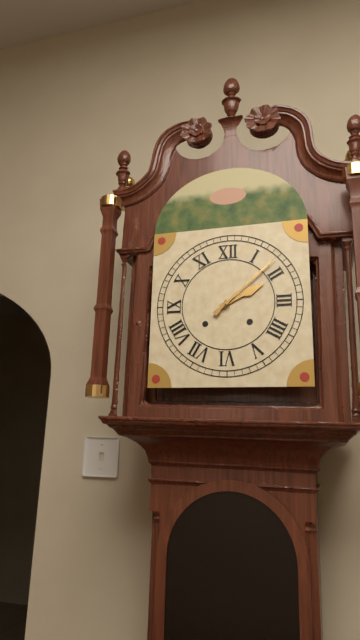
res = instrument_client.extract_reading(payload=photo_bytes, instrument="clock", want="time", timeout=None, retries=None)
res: 2:08
